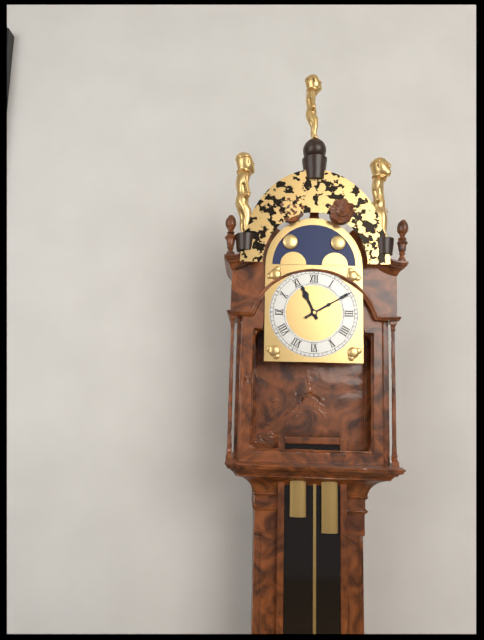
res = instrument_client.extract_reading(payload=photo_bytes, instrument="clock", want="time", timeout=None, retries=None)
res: 11:10
